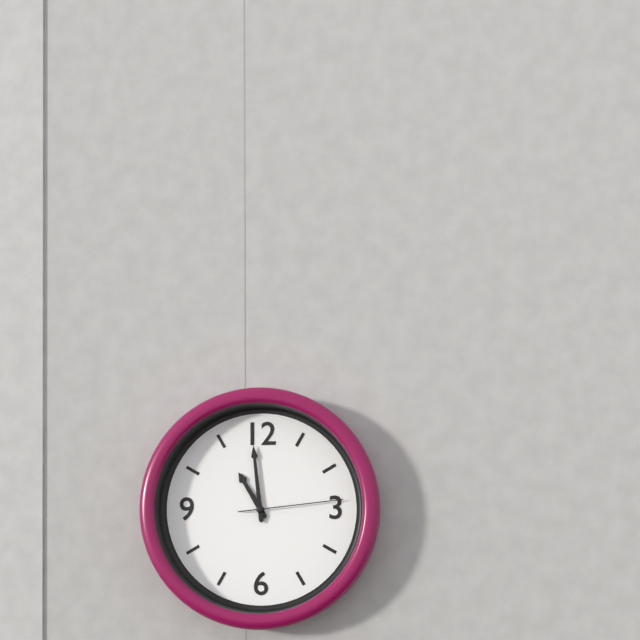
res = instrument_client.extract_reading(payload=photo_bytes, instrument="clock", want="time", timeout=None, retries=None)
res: 10:59:14
